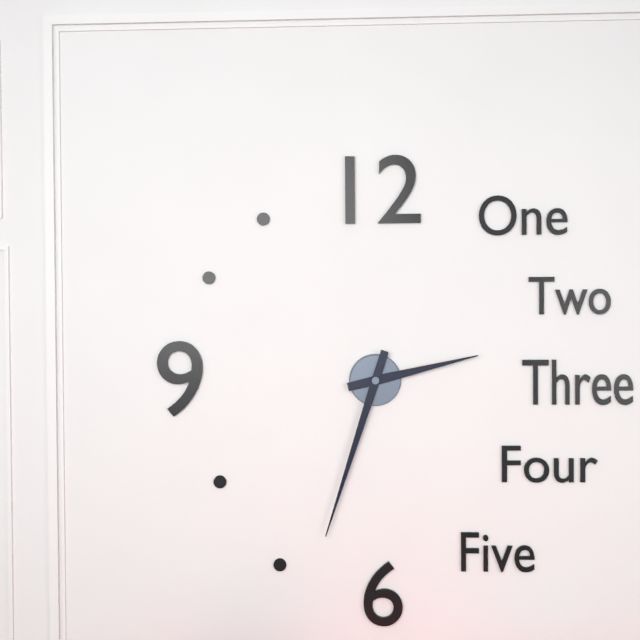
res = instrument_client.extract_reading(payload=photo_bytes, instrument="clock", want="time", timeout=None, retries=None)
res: 2:33
